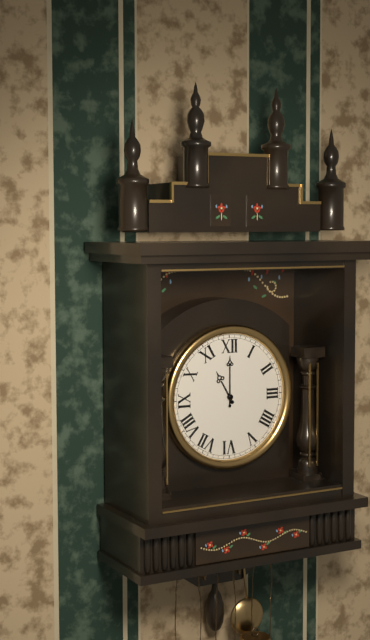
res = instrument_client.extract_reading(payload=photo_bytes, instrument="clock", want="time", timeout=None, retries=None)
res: 11:00
